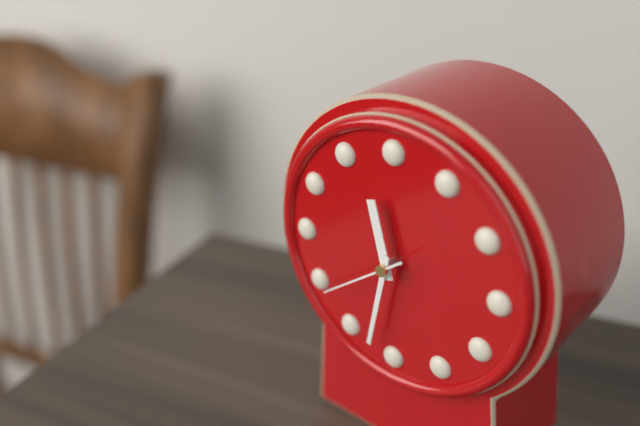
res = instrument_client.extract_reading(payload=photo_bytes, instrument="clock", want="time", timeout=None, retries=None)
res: 11:32:39
